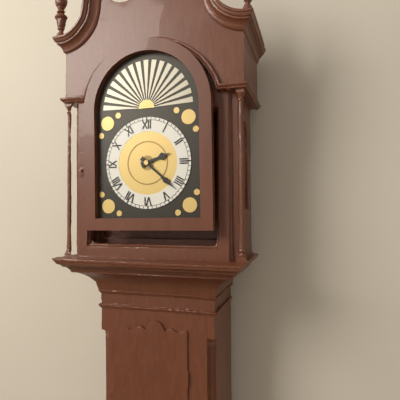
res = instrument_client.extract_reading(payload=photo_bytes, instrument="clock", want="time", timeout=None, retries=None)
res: 2:22
